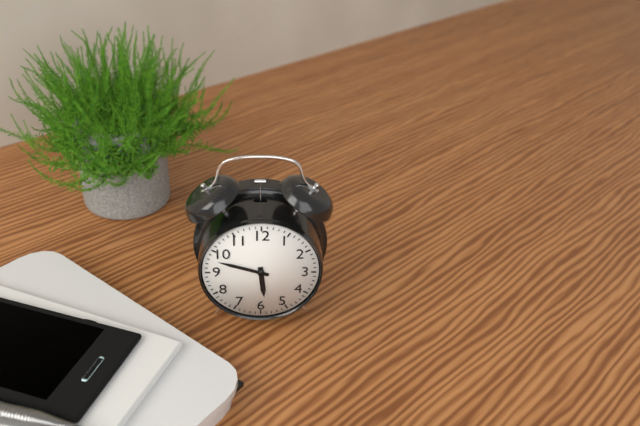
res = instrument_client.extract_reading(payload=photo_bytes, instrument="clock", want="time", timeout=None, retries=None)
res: 5:48
